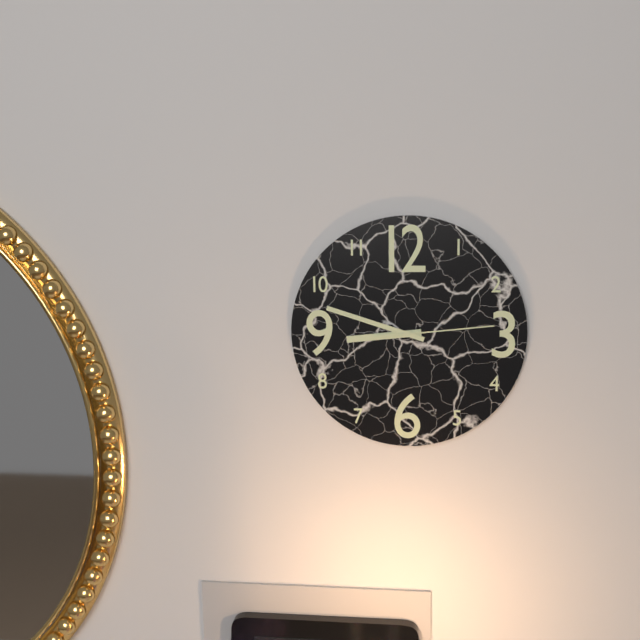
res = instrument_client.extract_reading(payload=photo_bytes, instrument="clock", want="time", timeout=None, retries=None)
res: 8:48:14
